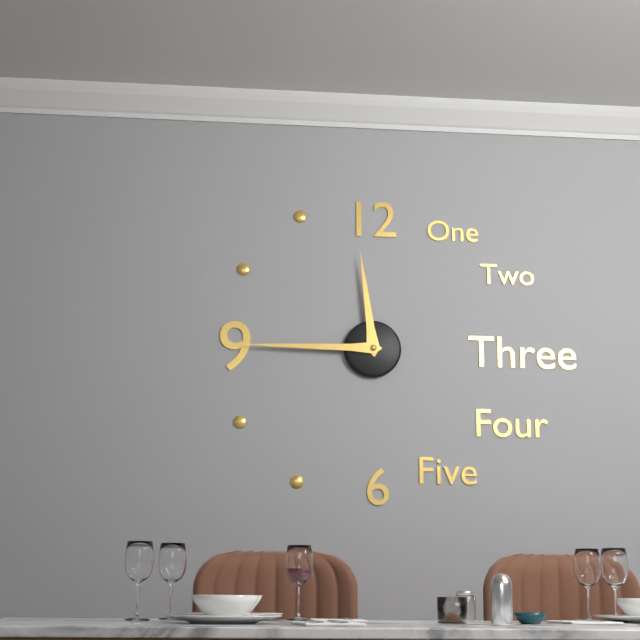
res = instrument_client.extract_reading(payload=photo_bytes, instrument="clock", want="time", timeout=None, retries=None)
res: 11:45
